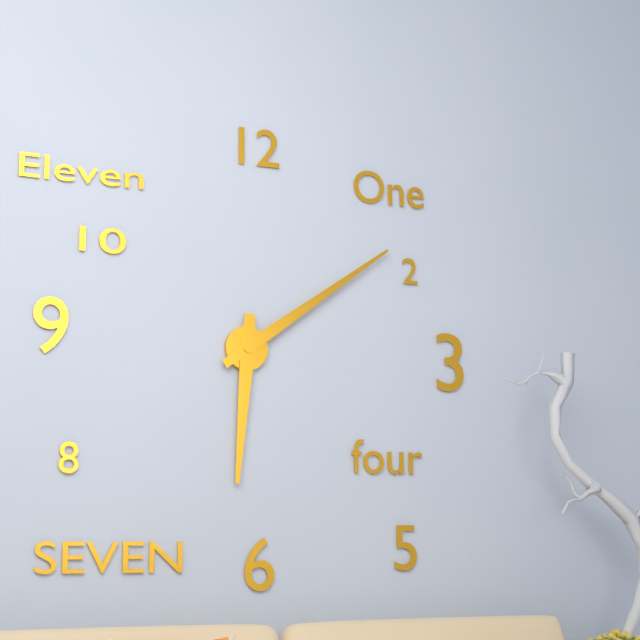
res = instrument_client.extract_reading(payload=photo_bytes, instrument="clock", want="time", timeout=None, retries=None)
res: 6:09
